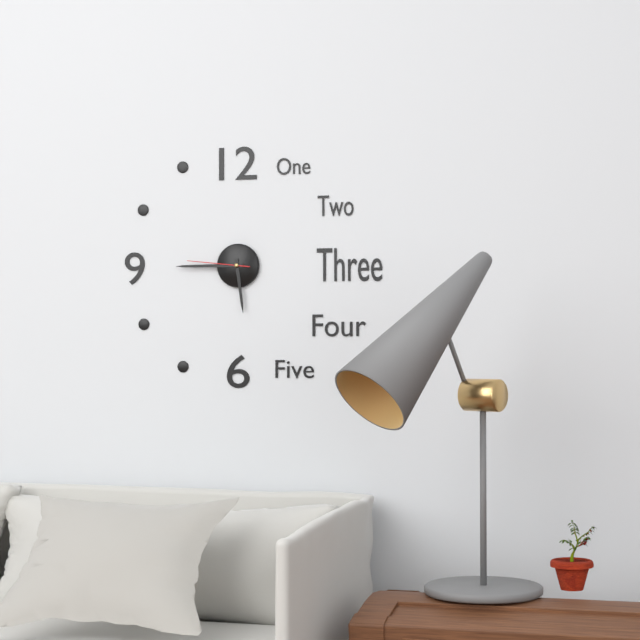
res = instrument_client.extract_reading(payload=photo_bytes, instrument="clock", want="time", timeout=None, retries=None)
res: 5:45:46
